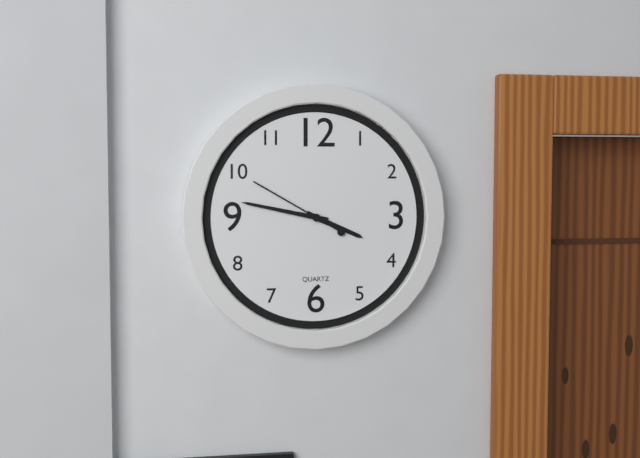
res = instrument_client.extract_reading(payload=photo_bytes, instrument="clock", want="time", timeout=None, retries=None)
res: 3:47:50
